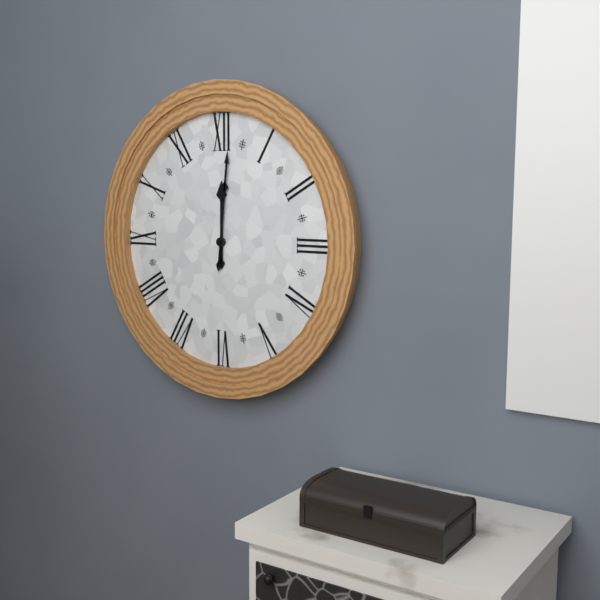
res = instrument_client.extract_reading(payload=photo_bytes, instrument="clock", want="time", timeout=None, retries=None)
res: 12:01
